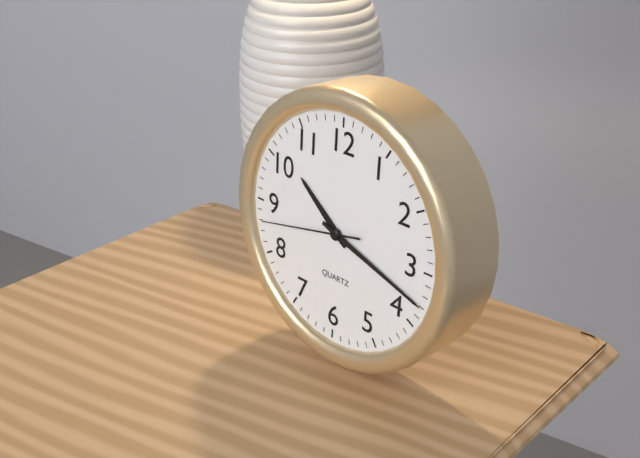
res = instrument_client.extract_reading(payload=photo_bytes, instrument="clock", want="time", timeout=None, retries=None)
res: 10:18:43
